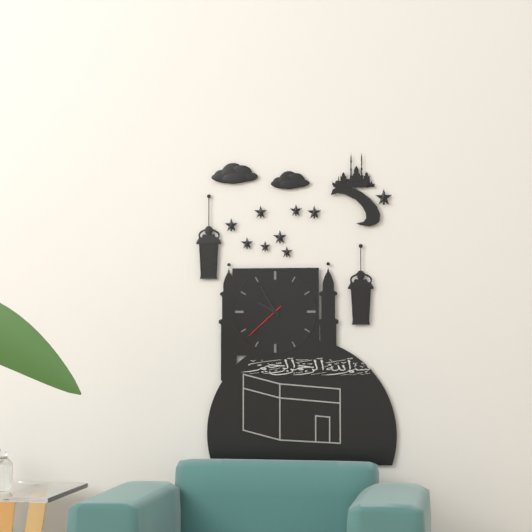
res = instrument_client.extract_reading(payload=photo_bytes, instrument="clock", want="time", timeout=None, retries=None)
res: 9:55
